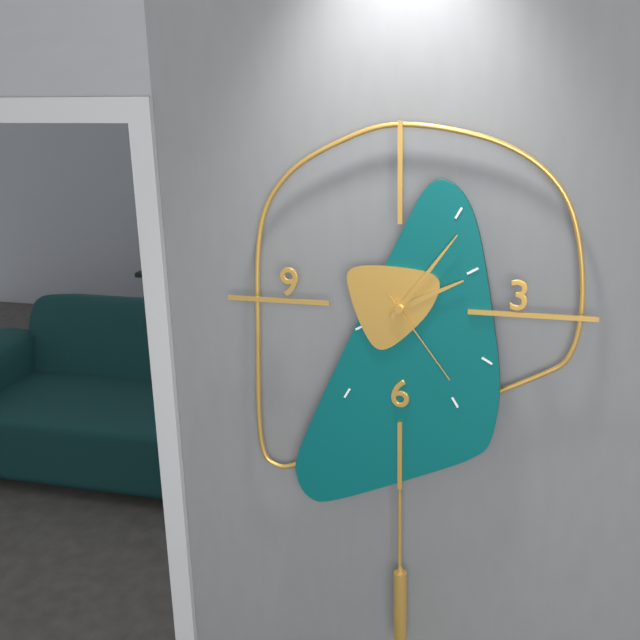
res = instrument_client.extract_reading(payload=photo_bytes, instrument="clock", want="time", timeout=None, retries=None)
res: 2:06:24
